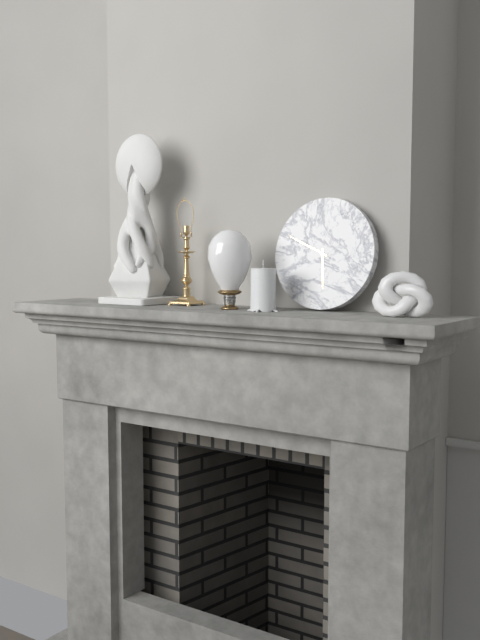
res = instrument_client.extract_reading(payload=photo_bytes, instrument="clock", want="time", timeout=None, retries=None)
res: 5:49
